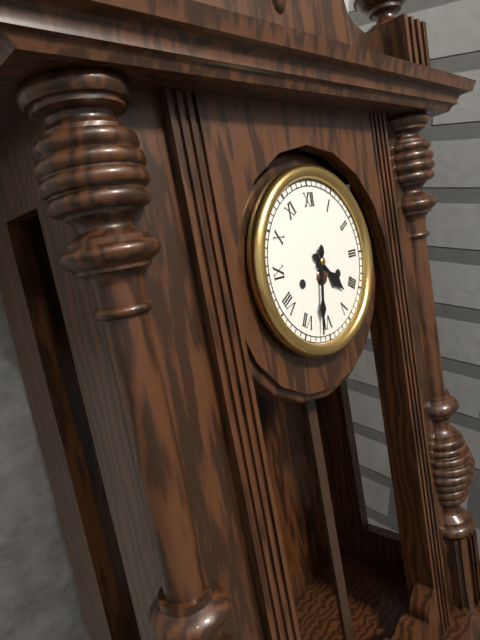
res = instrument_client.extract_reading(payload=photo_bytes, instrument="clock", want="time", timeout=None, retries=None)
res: 4:32
